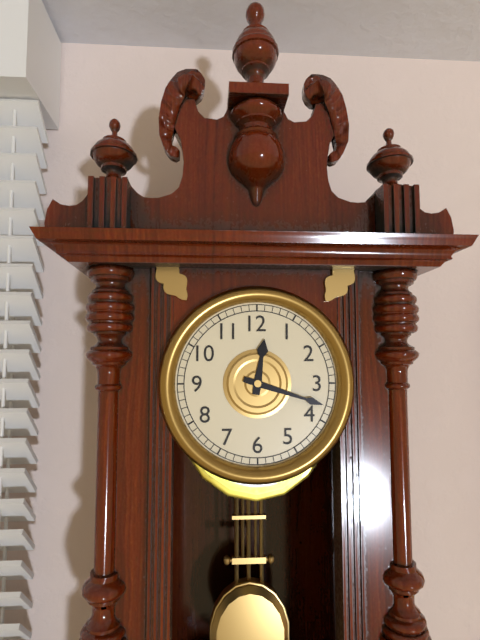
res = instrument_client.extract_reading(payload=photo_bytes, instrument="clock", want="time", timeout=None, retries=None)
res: 12:18
